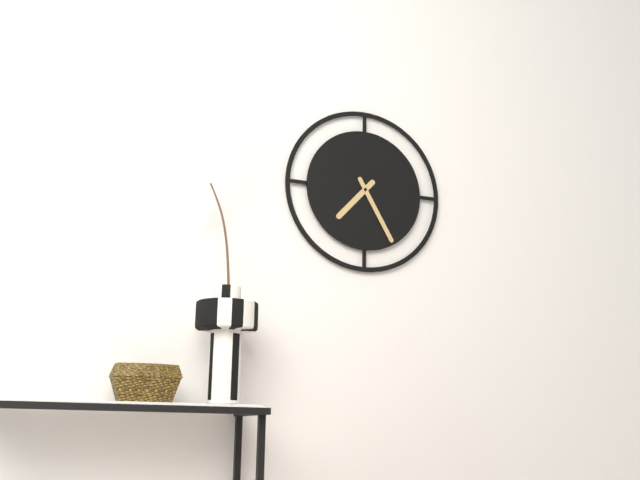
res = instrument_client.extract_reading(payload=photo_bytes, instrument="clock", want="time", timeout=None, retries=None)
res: 7:25
